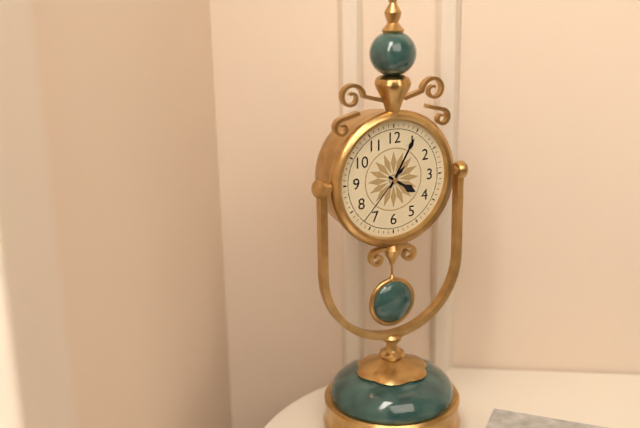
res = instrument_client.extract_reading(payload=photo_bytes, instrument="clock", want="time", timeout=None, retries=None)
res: 4:05:37
